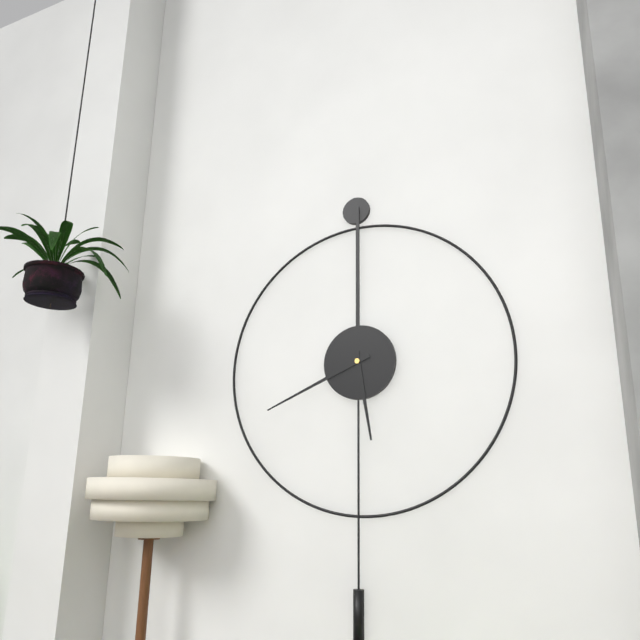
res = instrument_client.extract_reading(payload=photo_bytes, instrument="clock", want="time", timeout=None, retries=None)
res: 5:41
